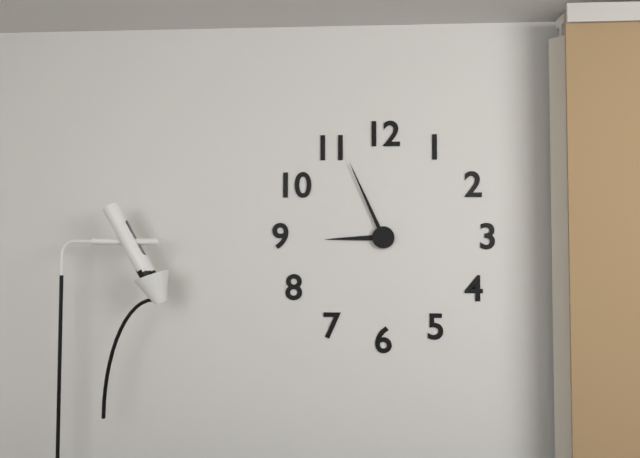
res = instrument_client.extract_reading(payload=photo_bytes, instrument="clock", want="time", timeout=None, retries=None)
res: 8:56
